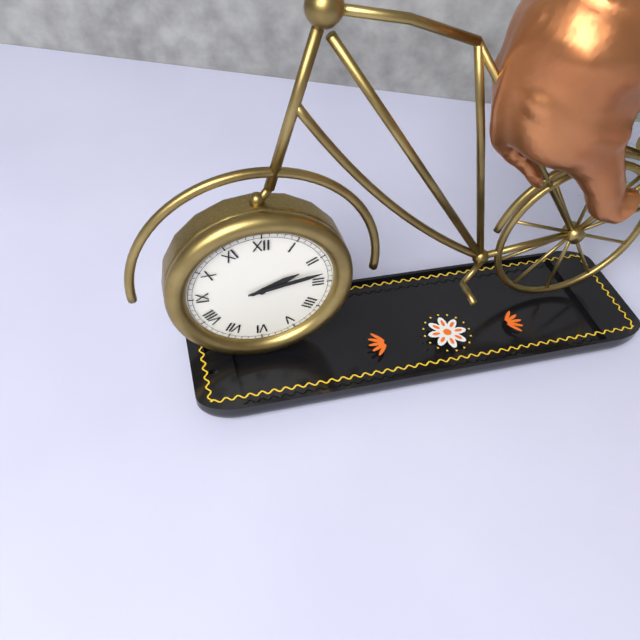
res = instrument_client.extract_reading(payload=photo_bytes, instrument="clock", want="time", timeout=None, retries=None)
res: 2:13
